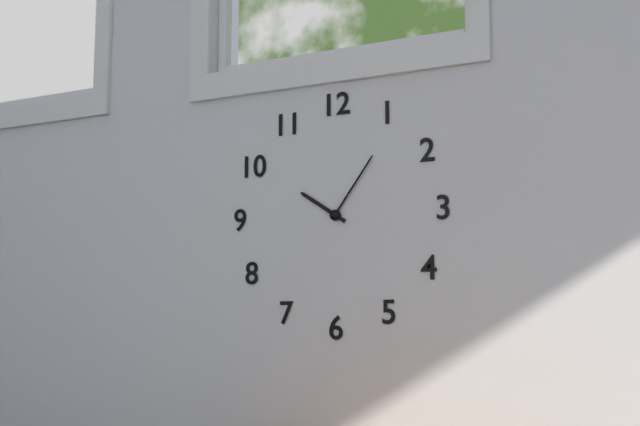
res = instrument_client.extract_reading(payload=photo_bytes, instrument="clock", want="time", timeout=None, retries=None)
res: 10:06
